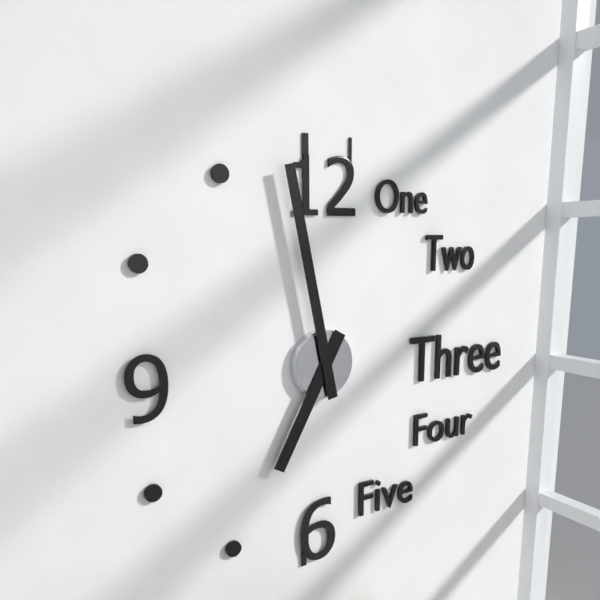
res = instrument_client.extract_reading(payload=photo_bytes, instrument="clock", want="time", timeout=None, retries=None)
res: 6:58
